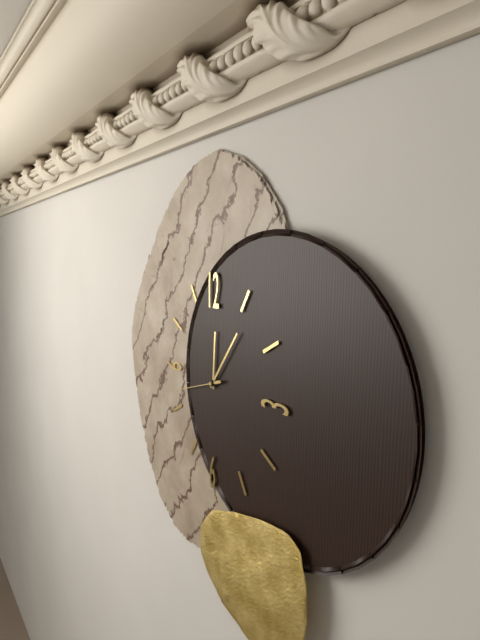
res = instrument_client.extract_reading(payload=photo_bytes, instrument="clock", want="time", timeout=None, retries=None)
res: 12:06
